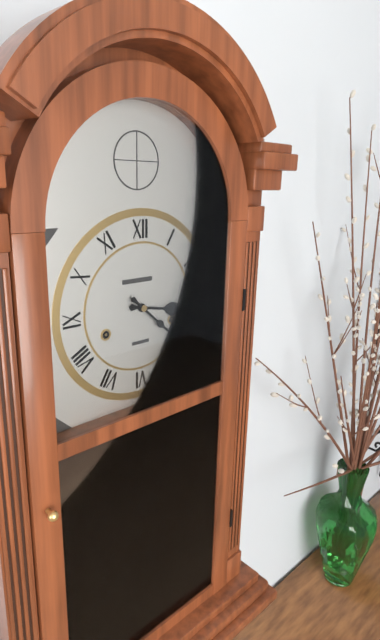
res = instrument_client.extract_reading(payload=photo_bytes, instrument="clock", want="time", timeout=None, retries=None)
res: 3:22
